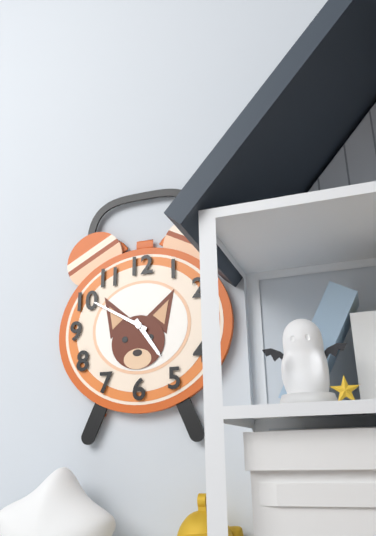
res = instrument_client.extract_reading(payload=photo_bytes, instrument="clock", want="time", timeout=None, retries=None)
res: 4:50
